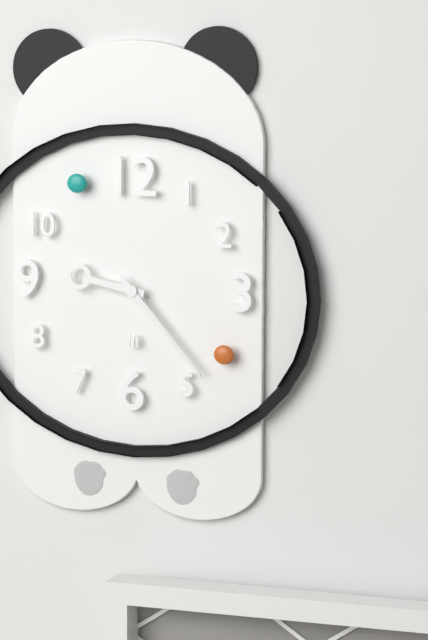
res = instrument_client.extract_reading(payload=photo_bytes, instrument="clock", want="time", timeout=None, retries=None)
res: 9:23
